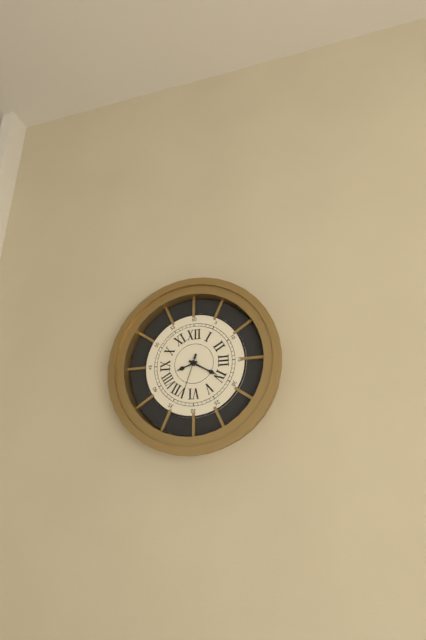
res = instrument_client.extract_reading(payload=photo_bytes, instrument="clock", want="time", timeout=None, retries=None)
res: 8:20
